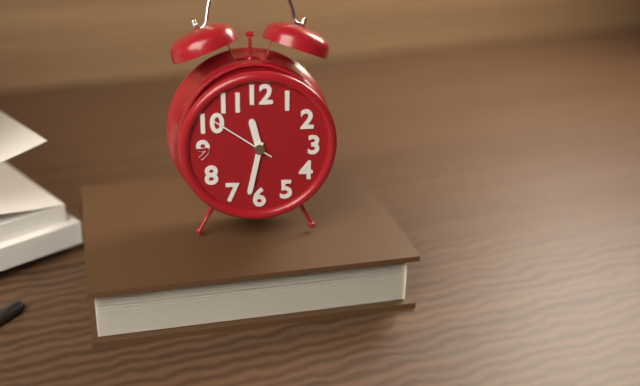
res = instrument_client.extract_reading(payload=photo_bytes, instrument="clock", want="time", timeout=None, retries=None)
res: 11:32:51
